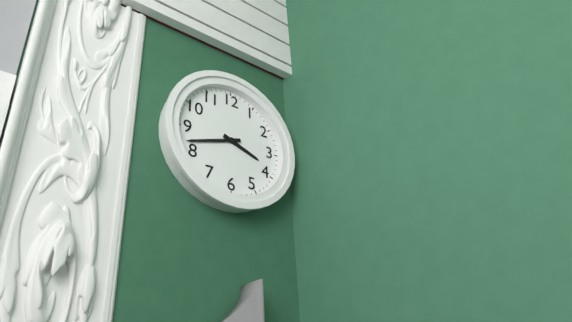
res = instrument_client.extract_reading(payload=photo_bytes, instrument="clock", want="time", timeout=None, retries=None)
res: 3:42
